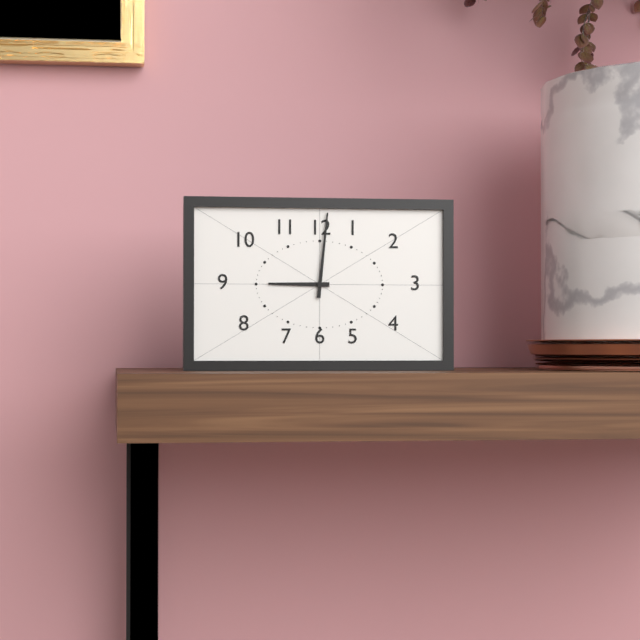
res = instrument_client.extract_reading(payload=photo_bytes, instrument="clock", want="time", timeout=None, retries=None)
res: 9:01
